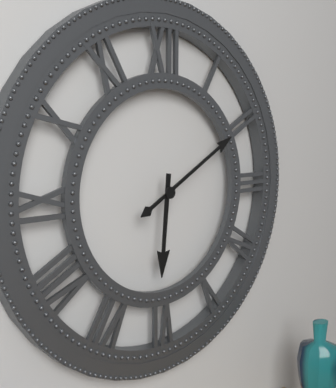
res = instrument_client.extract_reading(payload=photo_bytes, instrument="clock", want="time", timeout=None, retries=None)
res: 6:10
